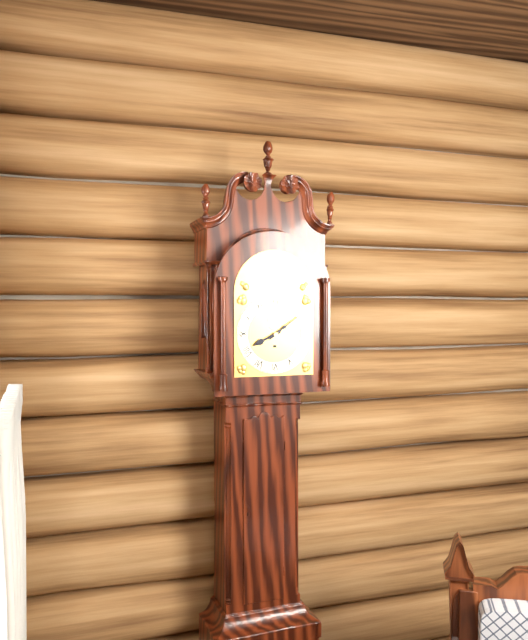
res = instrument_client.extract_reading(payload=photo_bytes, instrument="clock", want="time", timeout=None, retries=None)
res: 8:09
